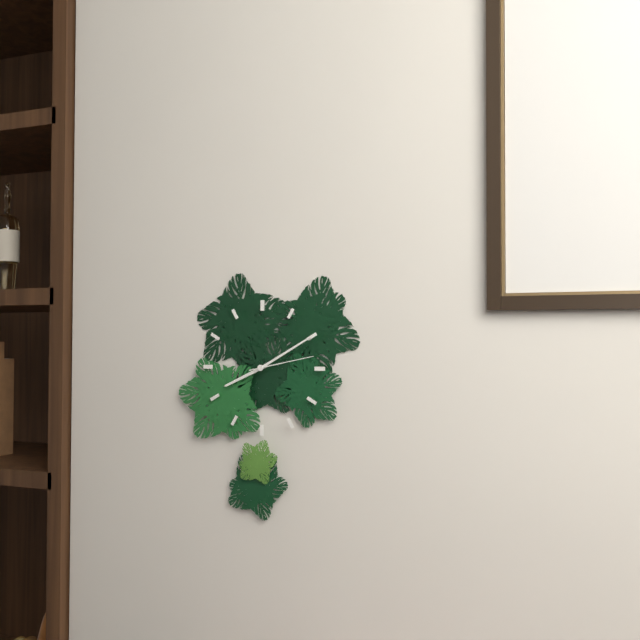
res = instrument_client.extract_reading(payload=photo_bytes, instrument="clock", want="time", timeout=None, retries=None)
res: 8:10:13
